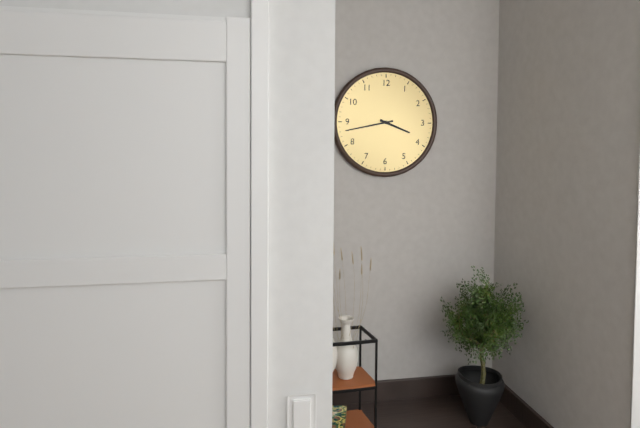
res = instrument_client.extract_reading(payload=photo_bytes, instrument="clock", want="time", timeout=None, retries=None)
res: 3:43
